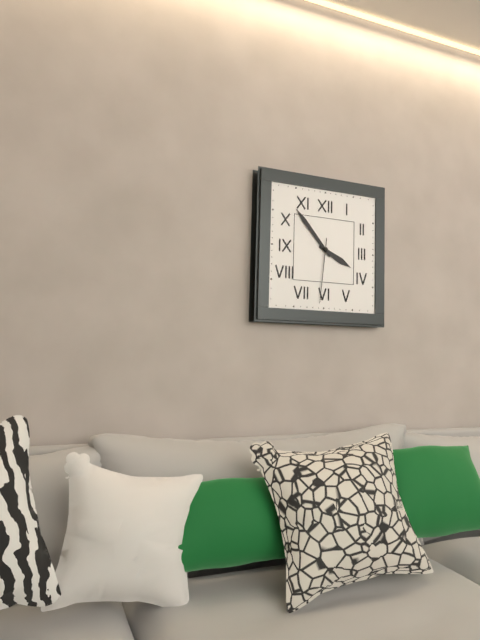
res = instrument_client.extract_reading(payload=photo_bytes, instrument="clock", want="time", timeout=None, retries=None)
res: 3:53:31
